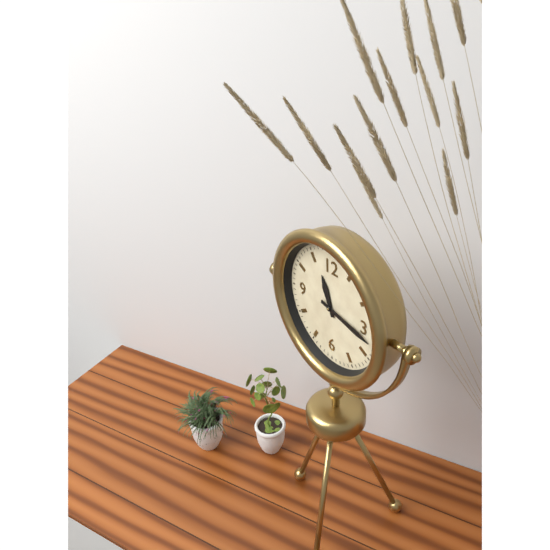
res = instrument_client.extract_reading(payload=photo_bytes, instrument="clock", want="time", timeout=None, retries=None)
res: 11:17
